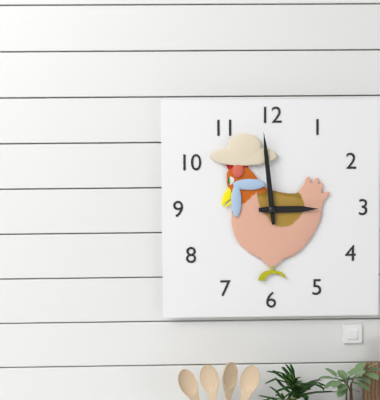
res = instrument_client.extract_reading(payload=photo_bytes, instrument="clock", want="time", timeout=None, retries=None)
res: 2:59
